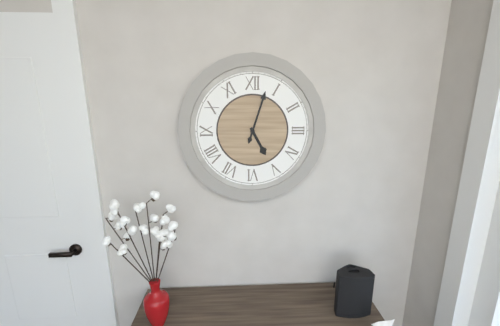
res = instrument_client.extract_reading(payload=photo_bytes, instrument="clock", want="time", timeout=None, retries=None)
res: 5:03
